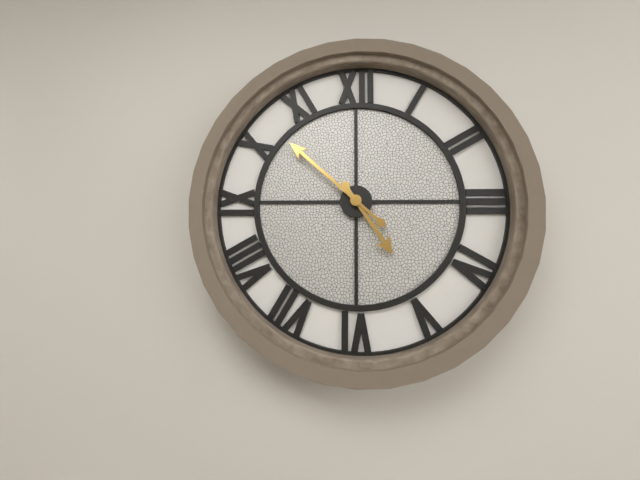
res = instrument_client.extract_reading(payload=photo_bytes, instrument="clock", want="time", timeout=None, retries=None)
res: 4:52
